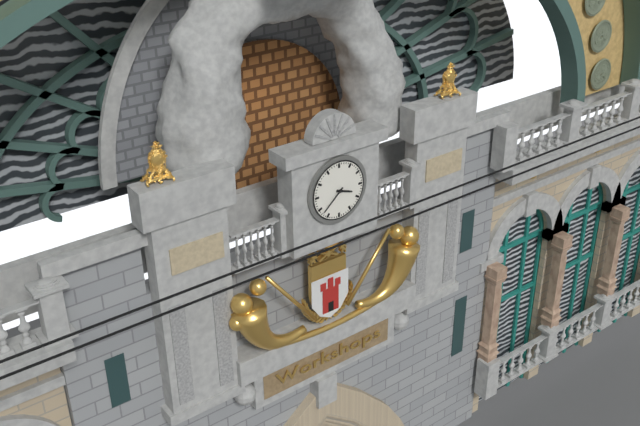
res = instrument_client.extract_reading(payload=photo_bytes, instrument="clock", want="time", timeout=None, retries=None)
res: 3:38
